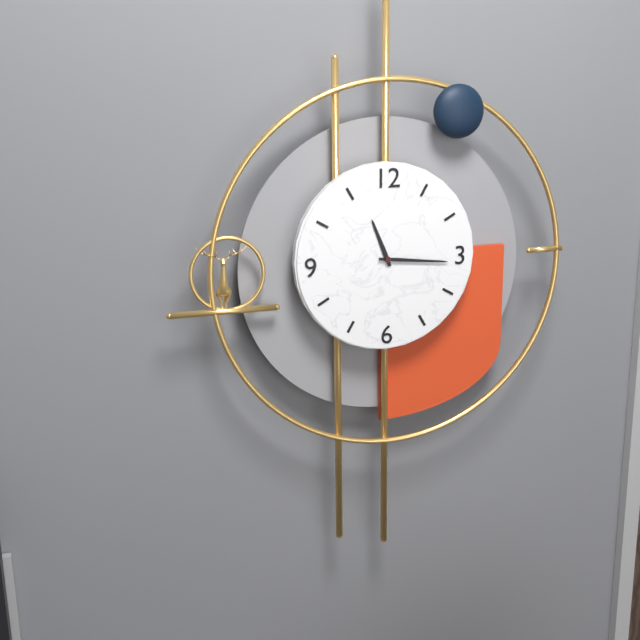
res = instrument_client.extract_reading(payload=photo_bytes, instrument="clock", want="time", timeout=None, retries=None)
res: 11:16
